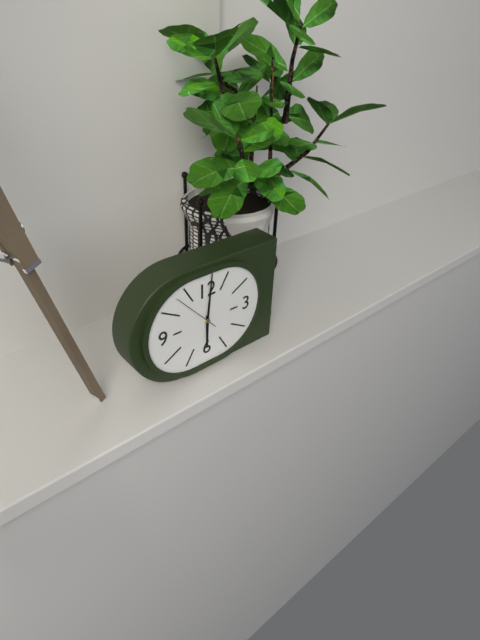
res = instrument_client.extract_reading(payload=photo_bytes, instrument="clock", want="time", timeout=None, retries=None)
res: 6:01
